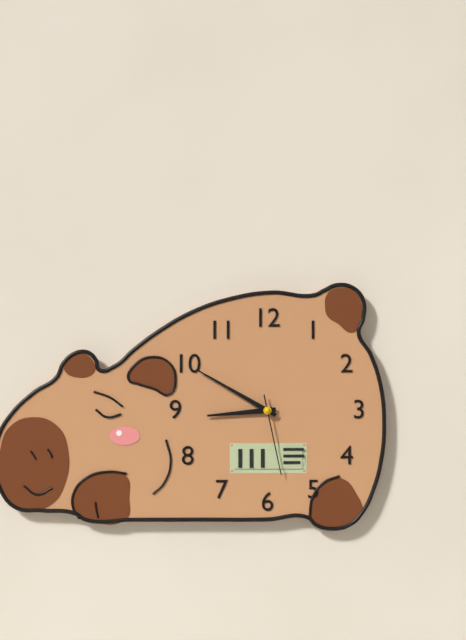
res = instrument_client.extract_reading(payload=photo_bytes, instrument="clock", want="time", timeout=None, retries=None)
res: 8:50:28
